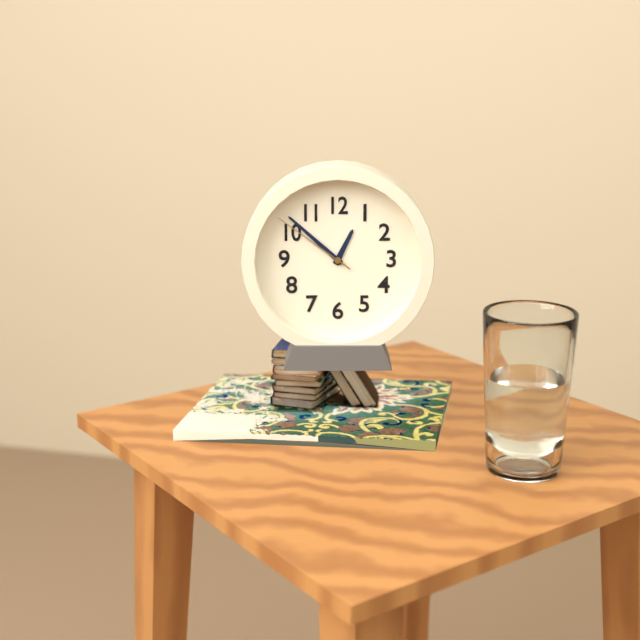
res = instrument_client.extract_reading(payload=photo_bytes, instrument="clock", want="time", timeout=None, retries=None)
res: 12:52:51
